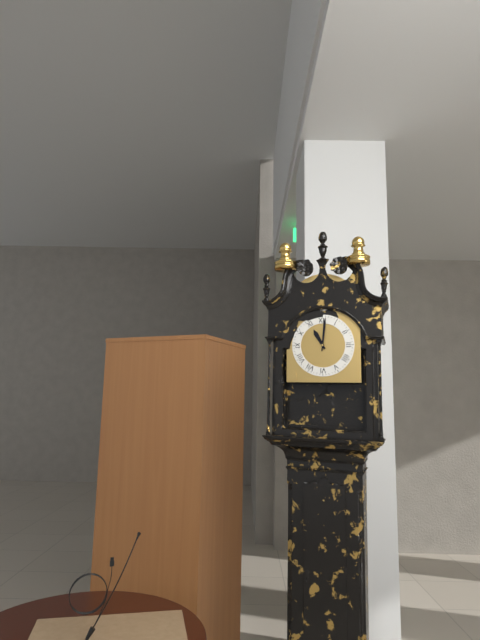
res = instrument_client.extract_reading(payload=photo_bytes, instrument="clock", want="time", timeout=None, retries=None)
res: 11:01
